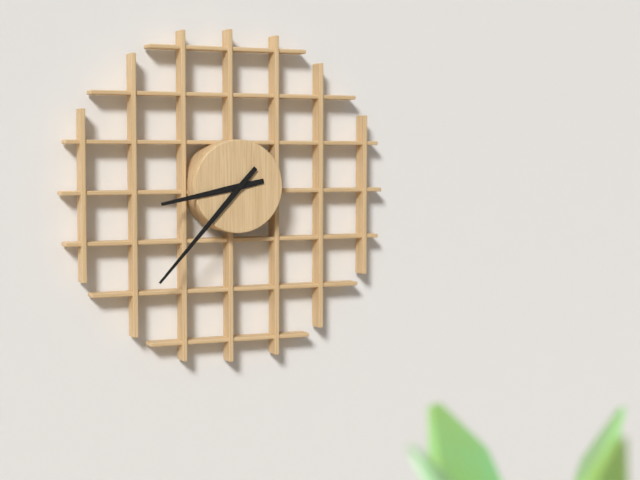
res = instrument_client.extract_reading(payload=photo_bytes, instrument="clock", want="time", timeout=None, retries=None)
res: 8:37
